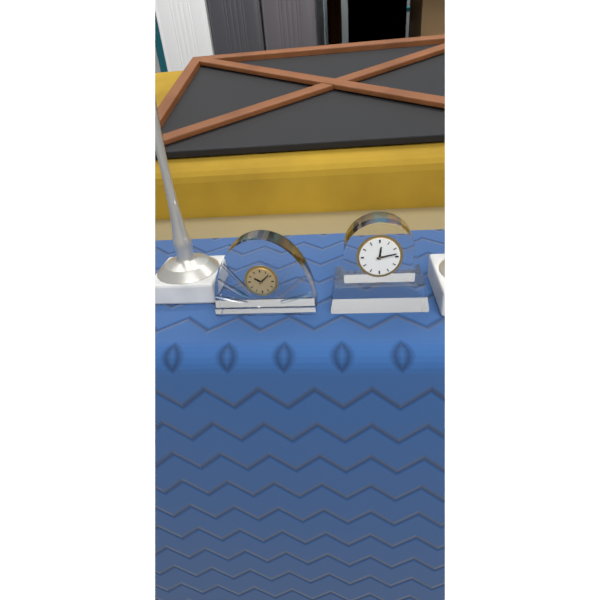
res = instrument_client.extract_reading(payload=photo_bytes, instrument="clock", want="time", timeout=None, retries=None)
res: 12:13
